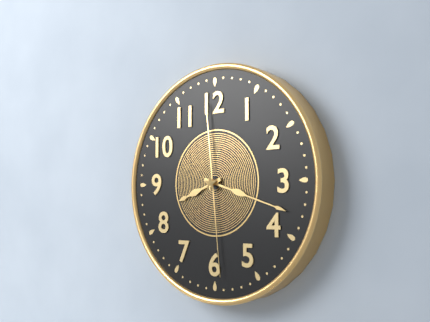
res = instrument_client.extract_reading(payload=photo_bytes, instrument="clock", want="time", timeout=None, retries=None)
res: 8:18:29
